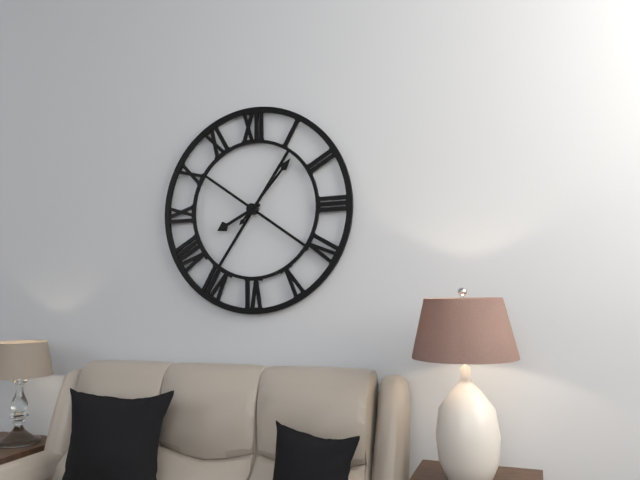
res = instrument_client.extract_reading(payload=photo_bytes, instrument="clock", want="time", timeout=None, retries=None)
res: 8:07
